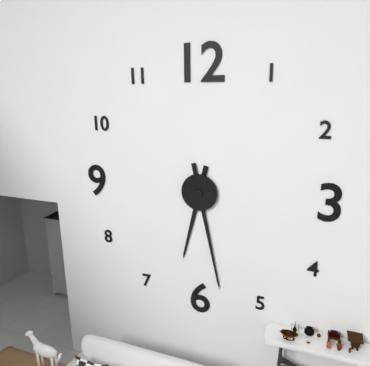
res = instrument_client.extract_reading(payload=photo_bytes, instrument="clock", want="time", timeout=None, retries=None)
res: 6:28
